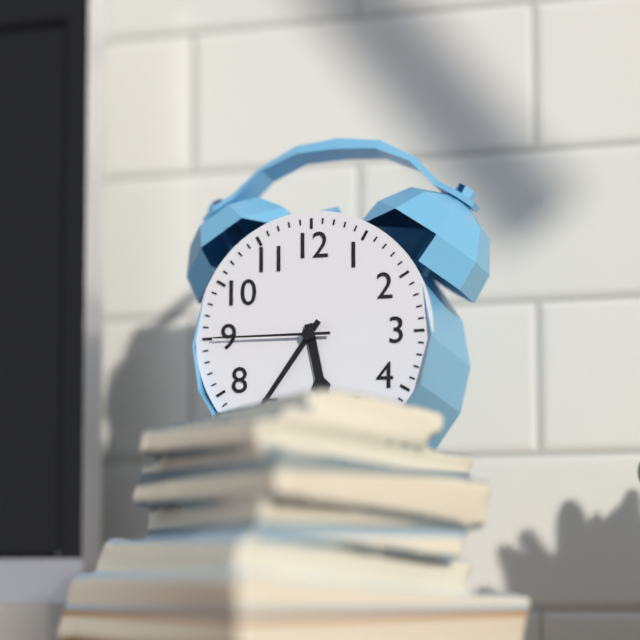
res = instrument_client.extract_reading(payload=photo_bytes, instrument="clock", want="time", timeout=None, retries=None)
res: 5:36:45
